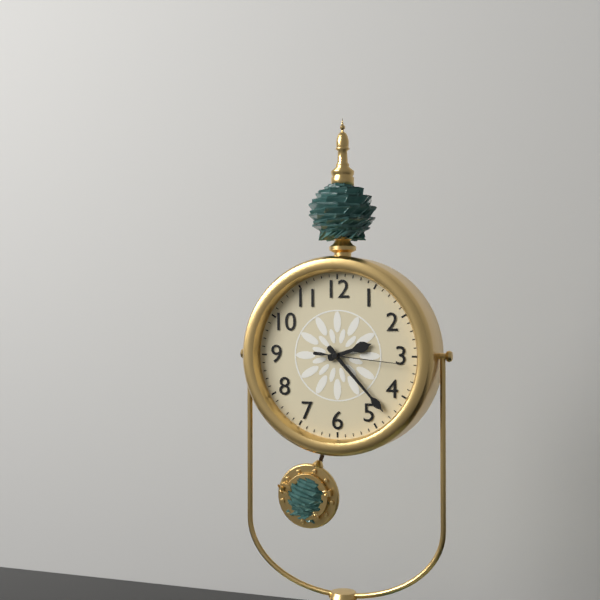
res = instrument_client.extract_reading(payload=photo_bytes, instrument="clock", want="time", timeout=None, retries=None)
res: 2:23:16
